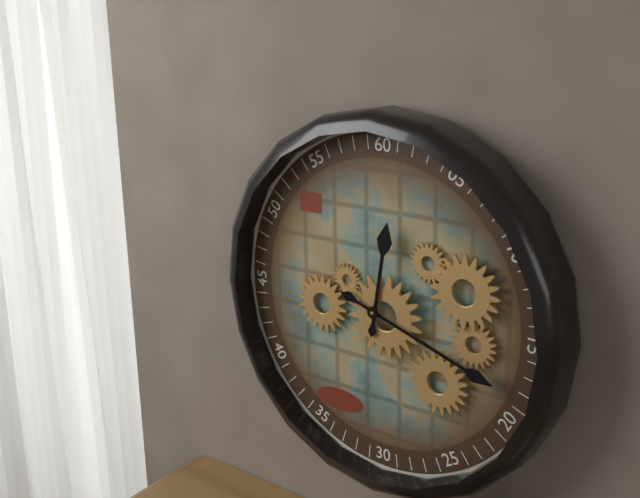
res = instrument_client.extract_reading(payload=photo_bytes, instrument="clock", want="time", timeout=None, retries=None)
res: 12:18
